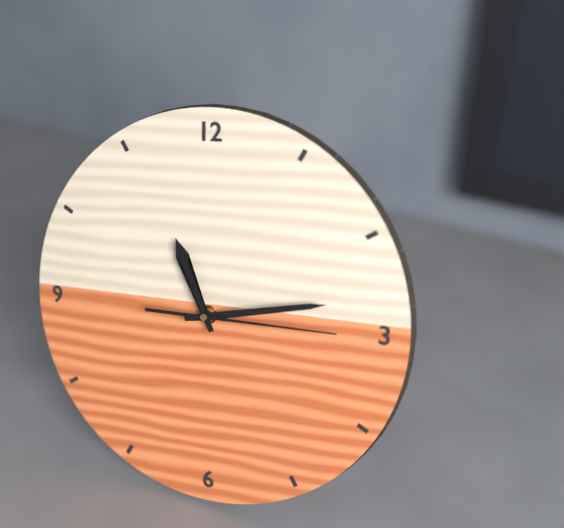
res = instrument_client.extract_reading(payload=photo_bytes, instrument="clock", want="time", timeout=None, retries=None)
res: 11:13:15
